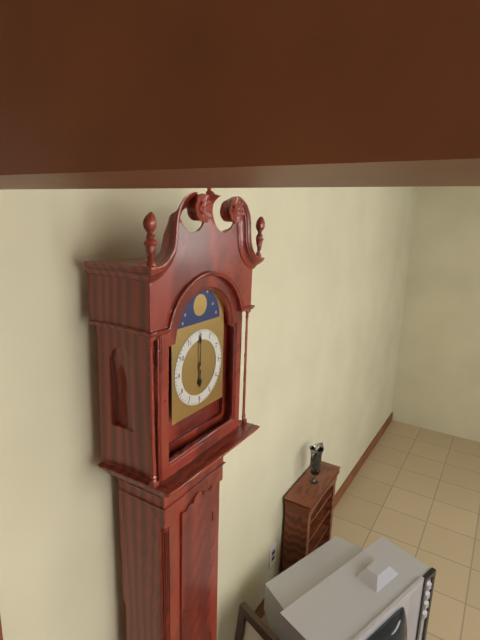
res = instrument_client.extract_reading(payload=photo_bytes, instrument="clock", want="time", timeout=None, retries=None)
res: 6:00
